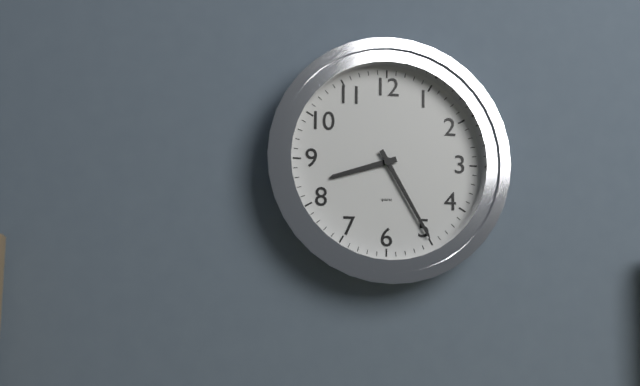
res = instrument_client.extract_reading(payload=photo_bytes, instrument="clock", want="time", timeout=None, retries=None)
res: 8:25
